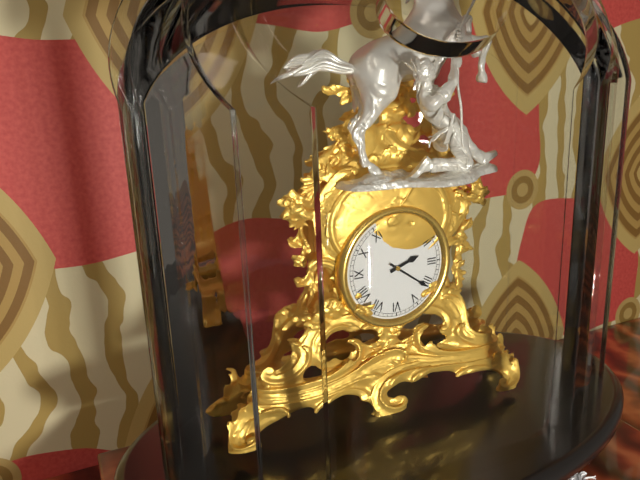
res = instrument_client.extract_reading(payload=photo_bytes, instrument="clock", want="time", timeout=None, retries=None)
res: 2:21
